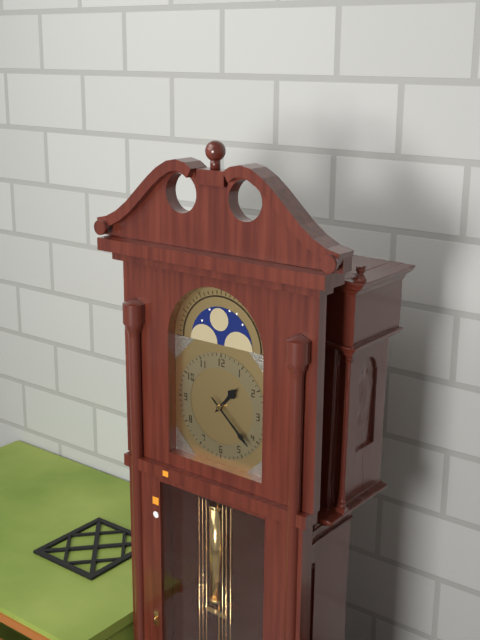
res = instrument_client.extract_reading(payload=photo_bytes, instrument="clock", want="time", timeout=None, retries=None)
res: 1:22
